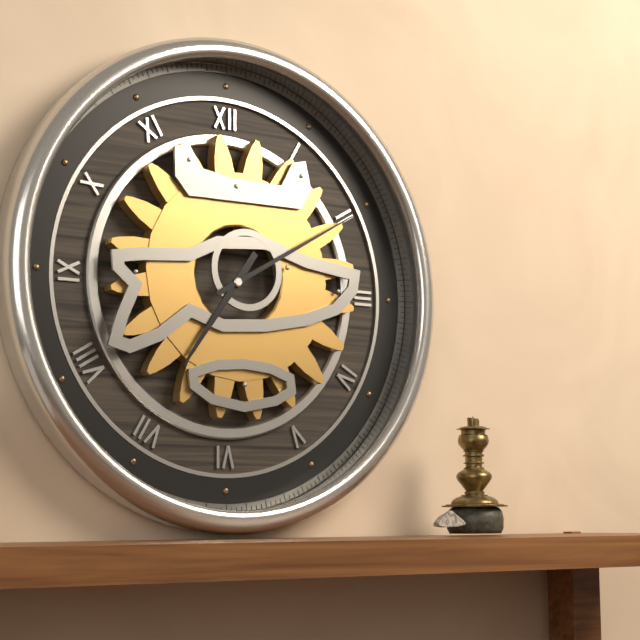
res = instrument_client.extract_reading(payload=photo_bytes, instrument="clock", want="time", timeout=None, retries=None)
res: 7:10
